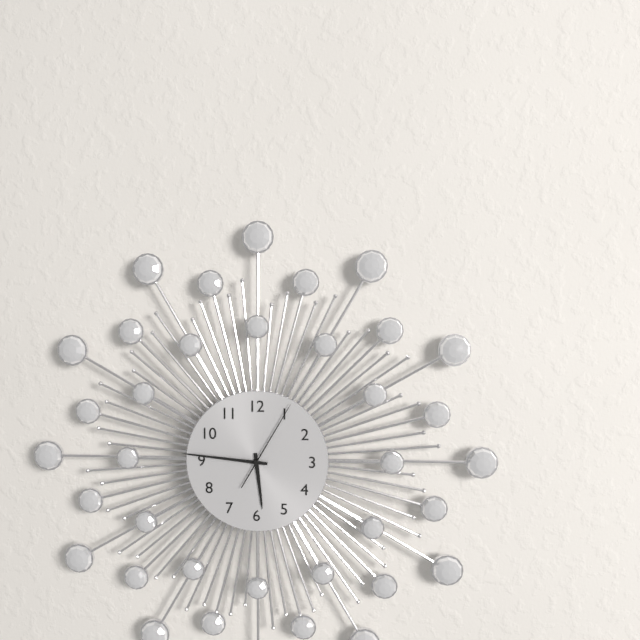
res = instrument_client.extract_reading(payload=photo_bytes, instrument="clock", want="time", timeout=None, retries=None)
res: 5:46:05
